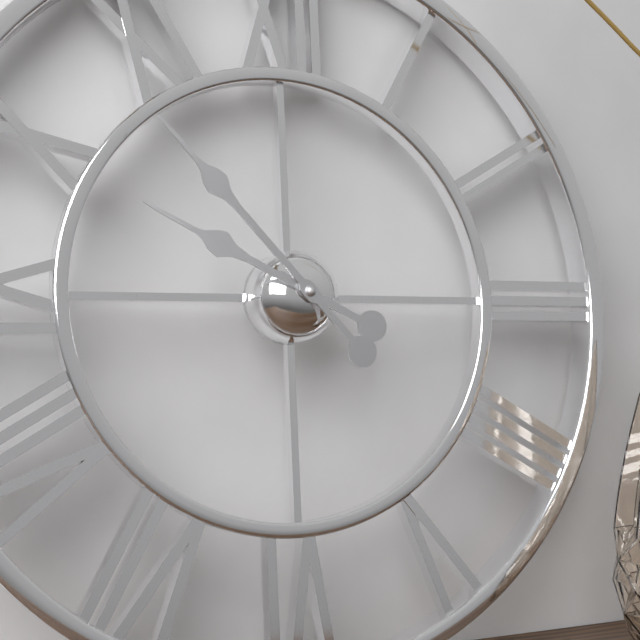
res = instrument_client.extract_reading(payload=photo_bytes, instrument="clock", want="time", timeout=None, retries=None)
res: 9:53
